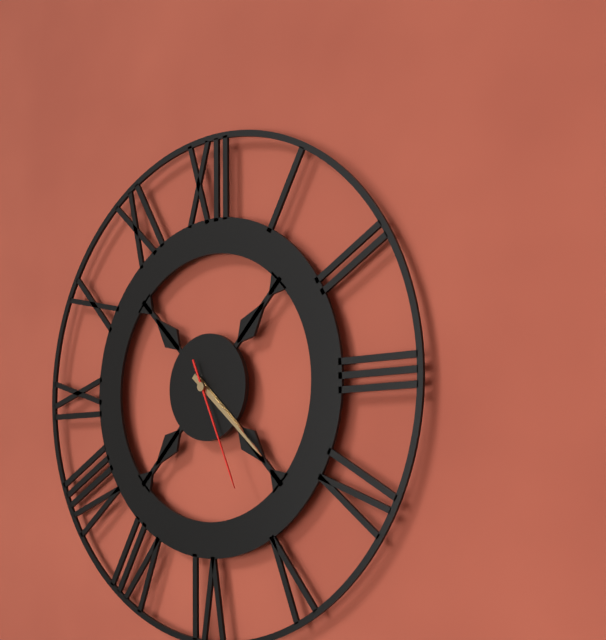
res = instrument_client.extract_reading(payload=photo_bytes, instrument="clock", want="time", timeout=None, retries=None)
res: 4:22:26
